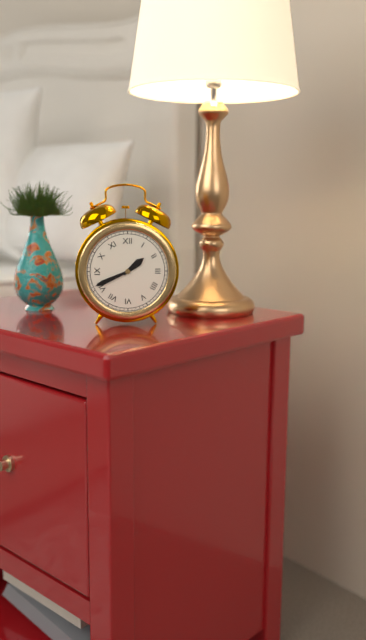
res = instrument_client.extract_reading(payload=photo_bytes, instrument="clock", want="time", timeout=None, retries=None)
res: 1:41
